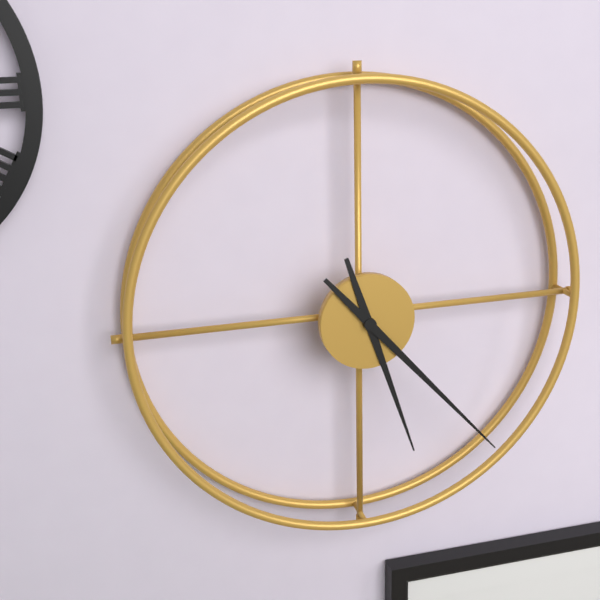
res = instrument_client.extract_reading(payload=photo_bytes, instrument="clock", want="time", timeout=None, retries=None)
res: 5:23
